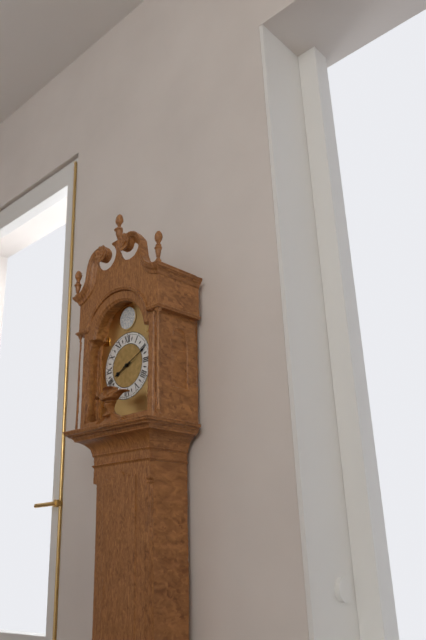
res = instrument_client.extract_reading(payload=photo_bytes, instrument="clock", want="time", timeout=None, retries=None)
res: 8:11
